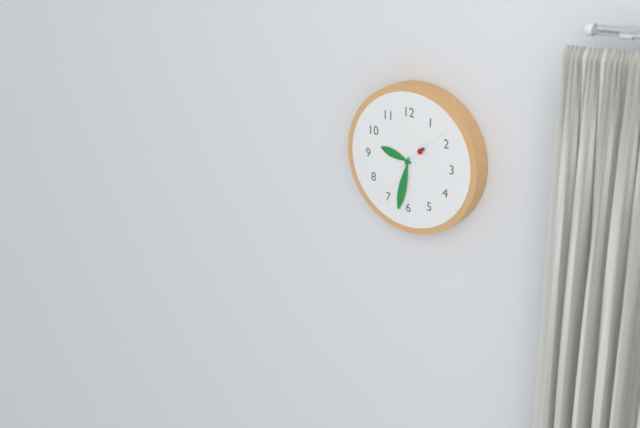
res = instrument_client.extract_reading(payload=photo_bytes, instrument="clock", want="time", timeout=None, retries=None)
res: 9:32:08
